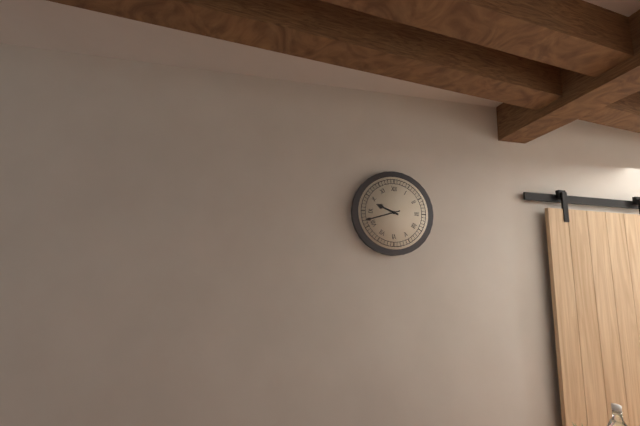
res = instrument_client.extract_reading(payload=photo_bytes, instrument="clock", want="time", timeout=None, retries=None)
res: 9:42
